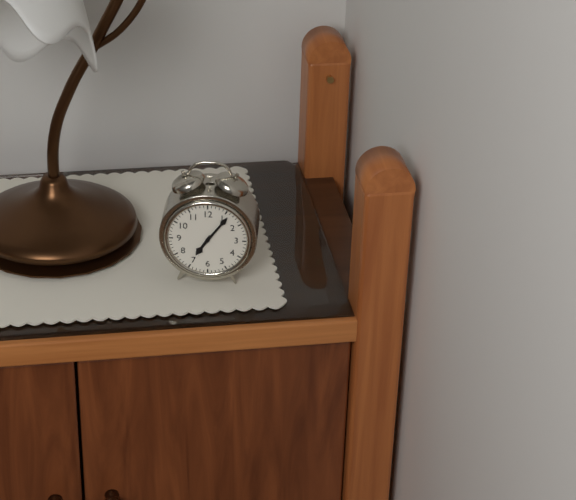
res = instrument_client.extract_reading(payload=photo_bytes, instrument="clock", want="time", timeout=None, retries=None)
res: 7:06
